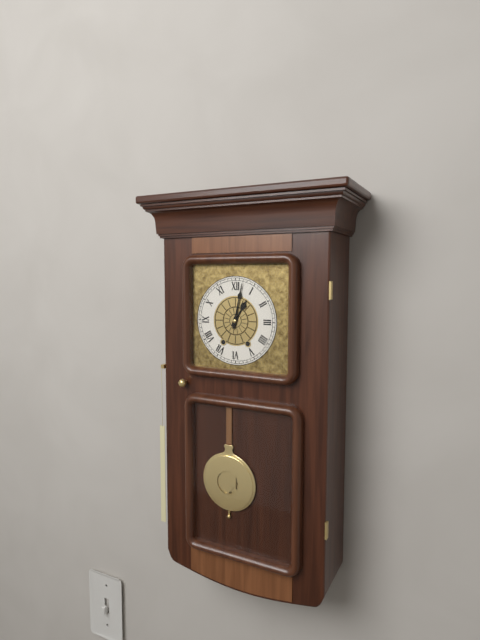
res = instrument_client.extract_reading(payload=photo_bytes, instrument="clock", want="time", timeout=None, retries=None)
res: 1:02
